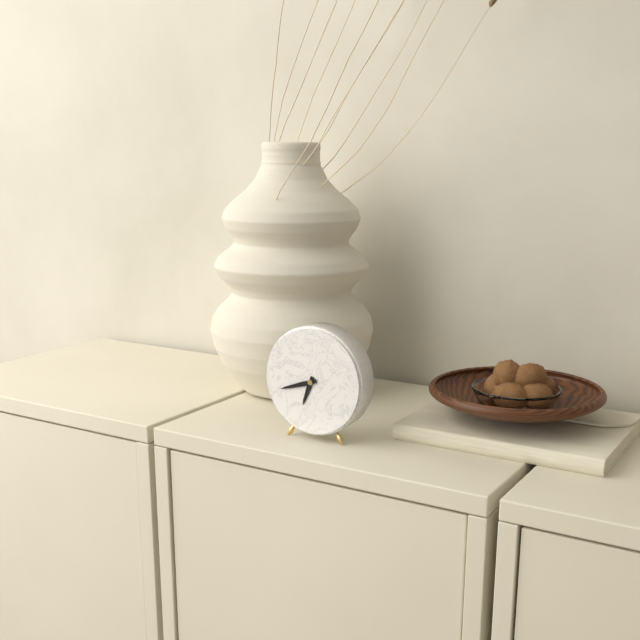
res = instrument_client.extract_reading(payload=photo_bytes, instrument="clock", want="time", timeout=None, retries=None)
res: 6:42
